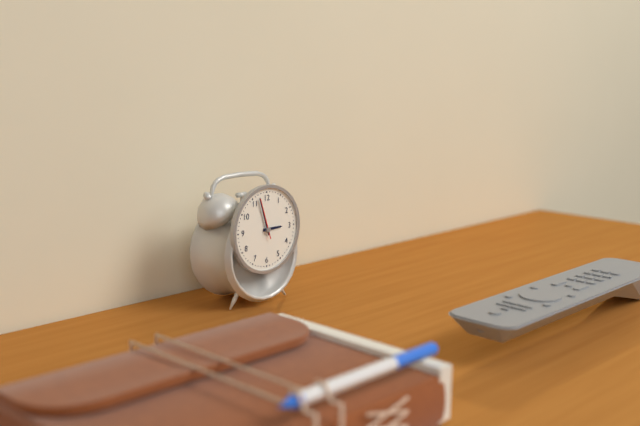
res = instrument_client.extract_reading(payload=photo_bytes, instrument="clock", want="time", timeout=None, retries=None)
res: 2:57
